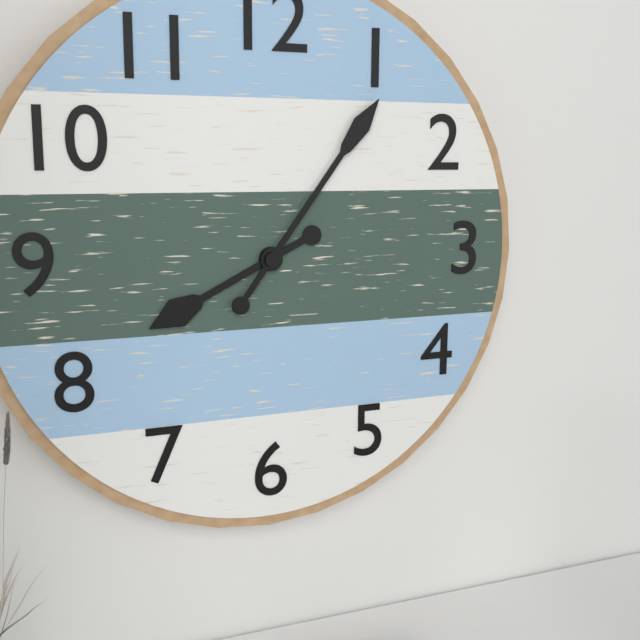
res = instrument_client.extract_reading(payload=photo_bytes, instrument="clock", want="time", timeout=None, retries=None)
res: 8:06
